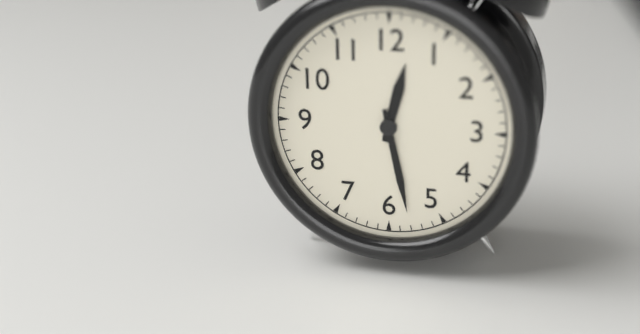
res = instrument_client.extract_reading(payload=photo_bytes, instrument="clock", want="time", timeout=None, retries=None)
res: 12:28
